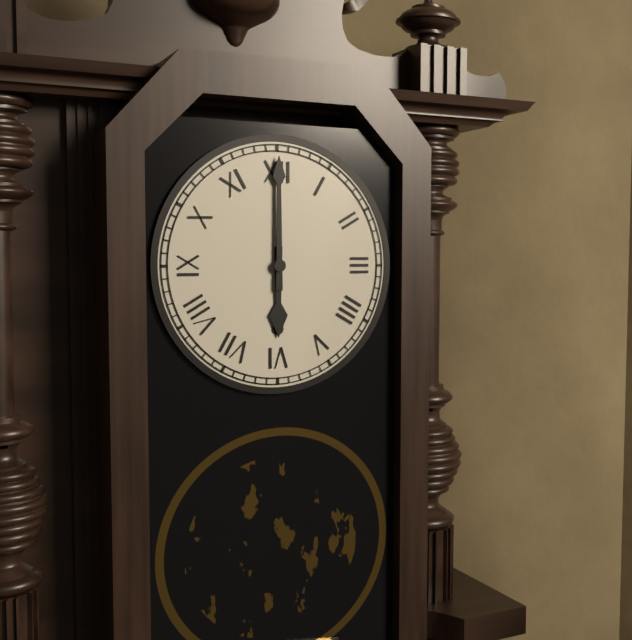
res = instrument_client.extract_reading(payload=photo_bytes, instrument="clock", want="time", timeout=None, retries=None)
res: 6:00
